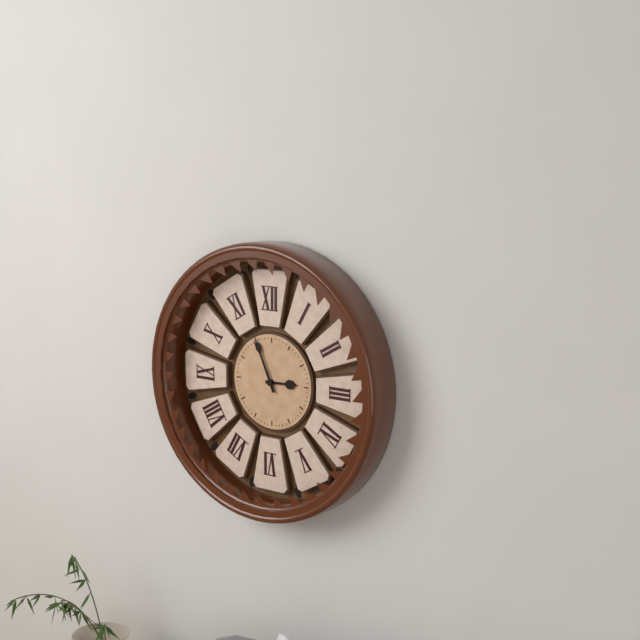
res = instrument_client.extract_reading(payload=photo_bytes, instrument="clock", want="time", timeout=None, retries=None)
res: 2:56
